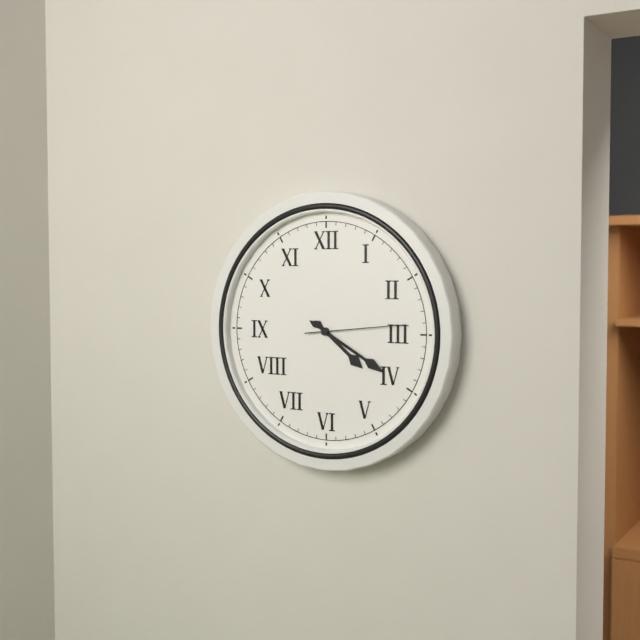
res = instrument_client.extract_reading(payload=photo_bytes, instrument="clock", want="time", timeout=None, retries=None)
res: 4:20:14
